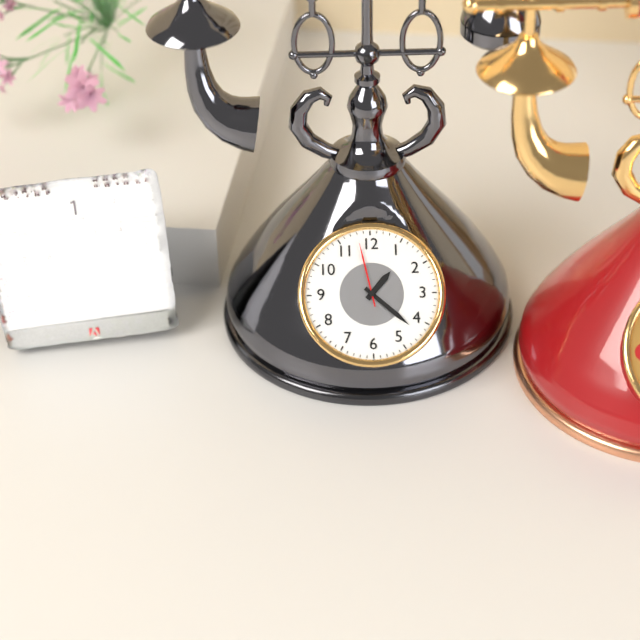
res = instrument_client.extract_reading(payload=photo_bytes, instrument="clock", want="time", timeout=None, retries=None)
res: 1:22:58
